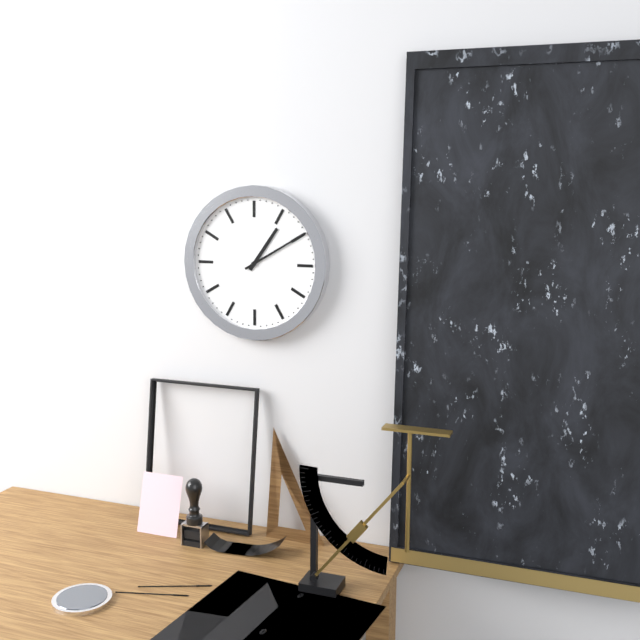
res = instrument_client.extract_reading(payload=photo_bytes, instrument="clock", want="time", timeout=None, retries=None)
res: 1:10
